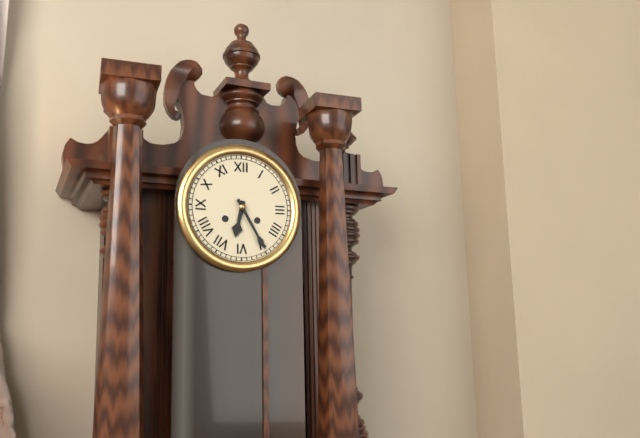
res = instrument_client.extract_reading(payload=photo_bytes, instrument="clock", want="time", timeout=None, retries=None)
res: 6:25
